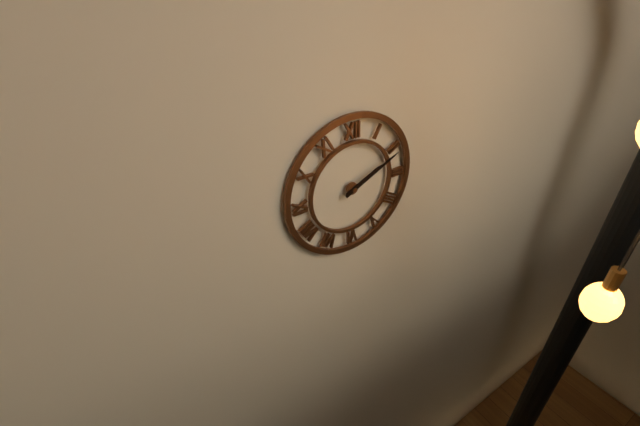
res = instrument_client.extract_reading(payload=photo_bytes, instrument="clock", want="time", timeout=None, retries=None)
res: 2:11
